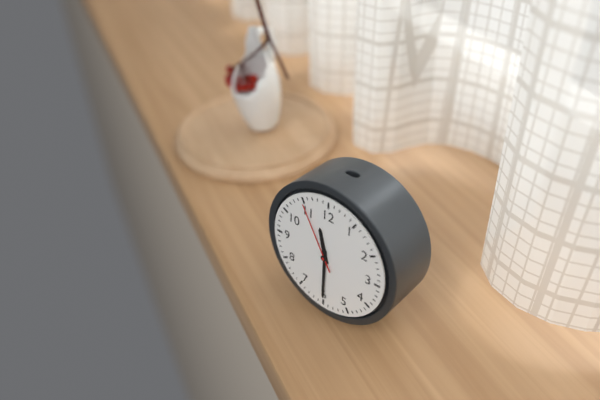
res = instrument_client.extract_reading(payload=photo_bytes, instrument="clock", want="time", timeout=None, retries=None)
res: 11:30:55
